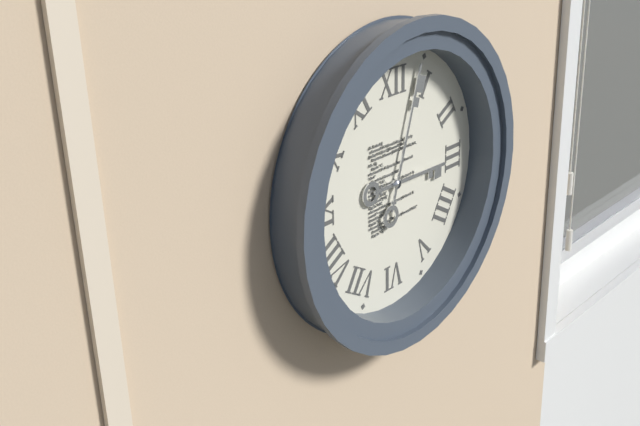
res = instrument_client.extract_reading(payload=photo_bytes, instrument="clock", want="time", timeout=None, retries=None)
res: 3:03
